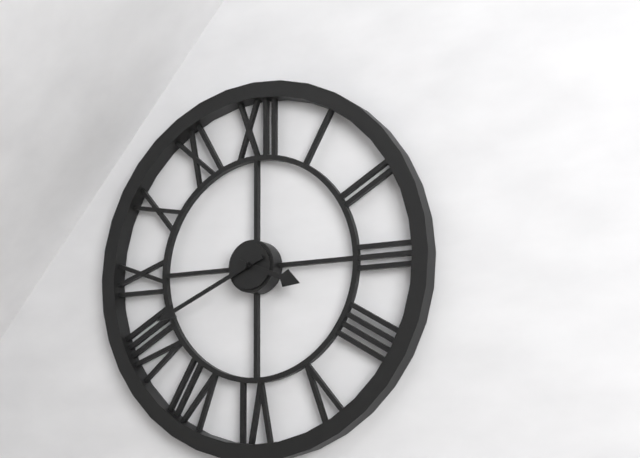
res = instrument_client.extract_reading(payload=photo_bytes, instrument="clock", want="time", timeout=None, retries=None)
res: 3:41
